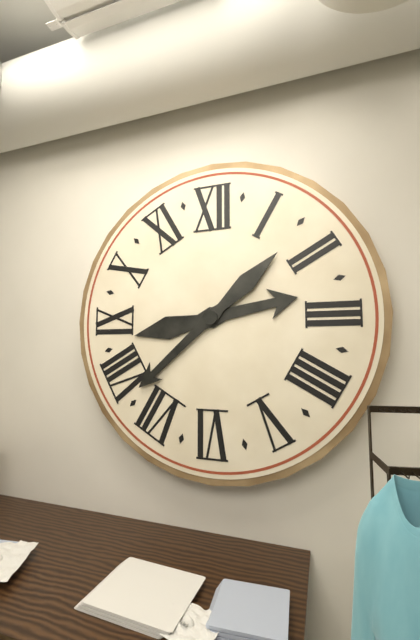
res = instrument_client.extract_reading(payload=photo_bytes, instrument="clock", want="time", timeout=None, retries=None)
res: 2:38
